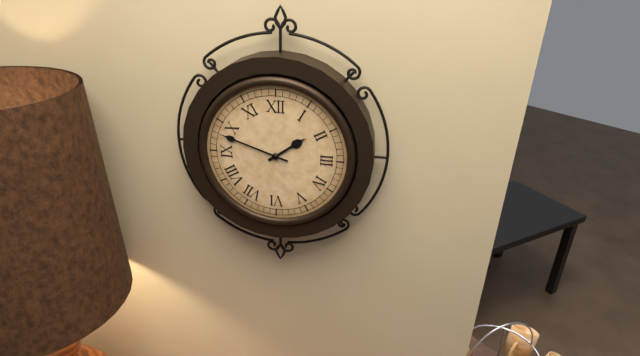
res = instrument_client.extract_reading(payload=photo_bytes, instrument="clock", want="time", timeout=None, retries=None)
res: 1:48
